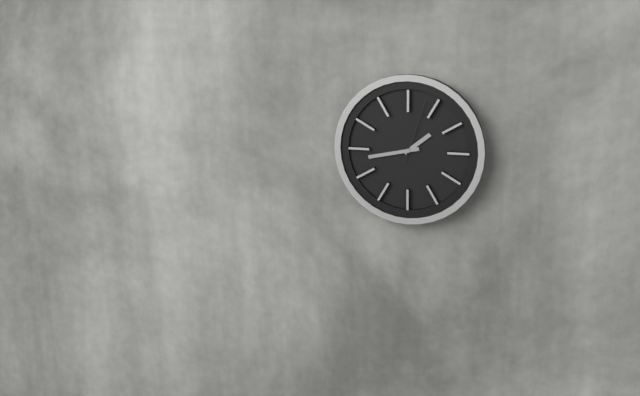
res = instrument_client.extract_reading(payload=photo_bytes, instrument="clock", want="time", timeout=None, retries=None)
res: 1:43:03
